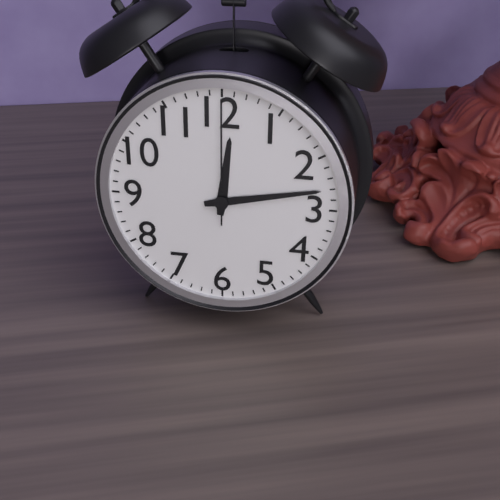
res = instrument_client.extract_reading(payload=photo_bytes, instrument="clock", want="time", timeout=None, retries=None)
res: 12:13:00
